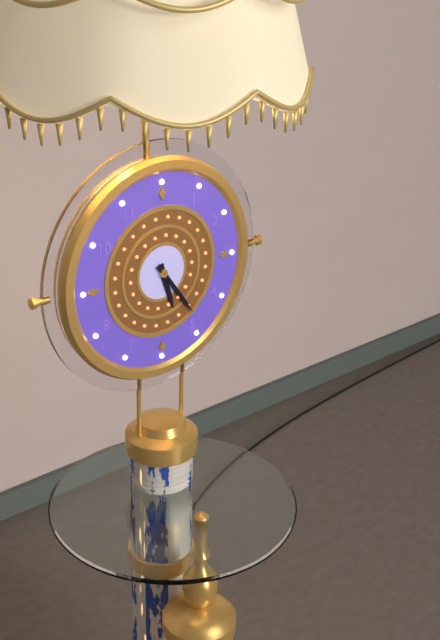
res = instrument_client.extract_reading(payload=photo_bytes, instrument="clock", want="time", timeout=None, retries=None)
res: 5:24
